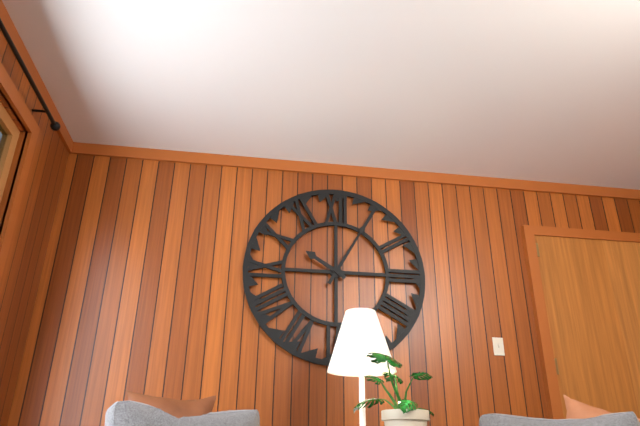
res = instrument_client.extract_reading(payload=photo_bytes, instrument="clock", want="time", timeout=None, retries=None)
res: 10:05
